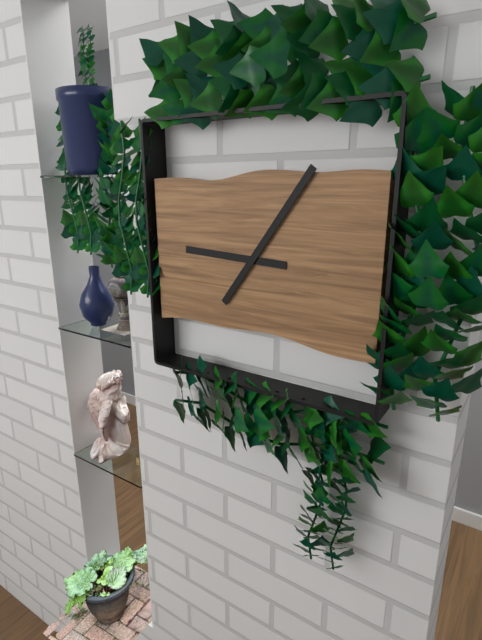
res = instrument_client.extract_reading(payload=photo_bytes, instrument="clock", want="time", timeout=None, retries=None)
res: 9:06
